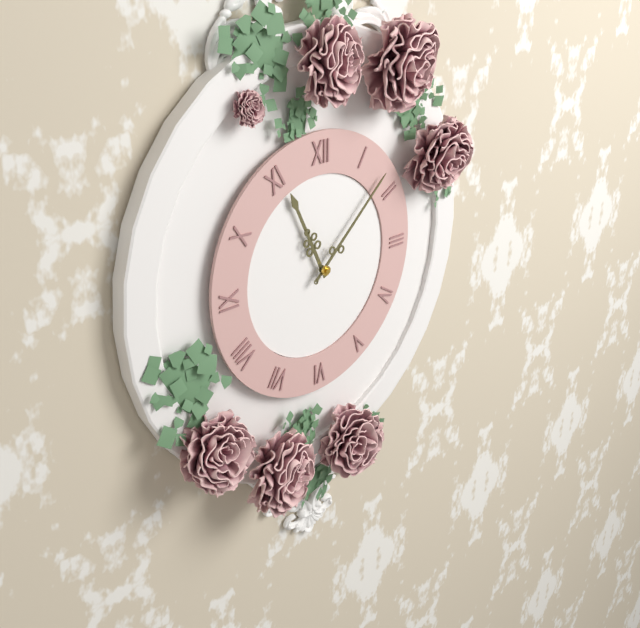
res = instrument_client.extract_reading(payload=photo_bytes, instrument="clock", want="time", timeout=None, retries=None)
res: 11:08
